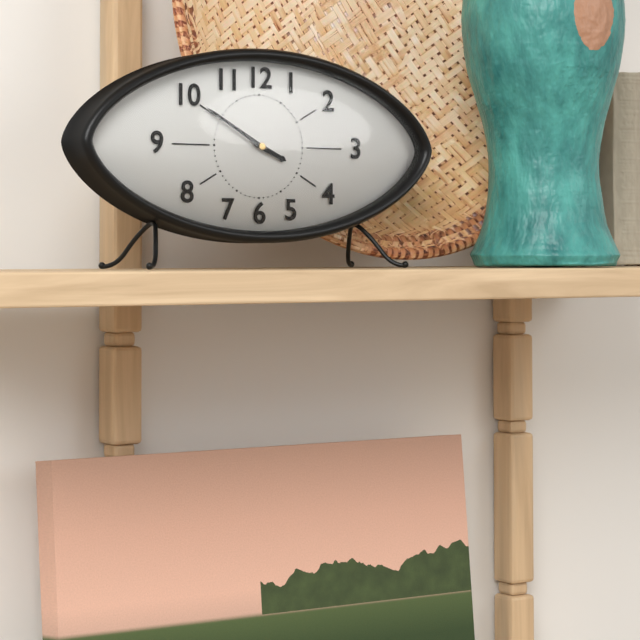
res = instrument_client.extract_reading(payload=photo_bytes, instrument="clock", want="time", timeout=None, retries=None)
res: 3:50
